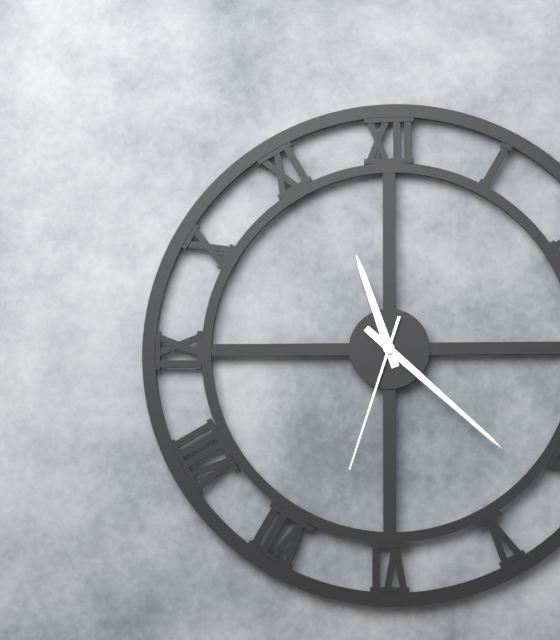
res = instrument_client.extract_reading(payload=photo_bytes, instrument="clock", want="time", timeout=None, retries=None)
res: 11:22:33
